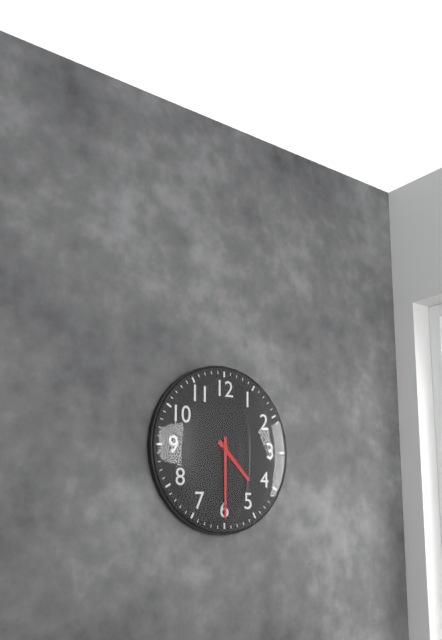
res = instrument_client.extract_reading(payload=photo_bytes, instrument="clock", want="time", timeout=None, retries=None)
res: 4:30
